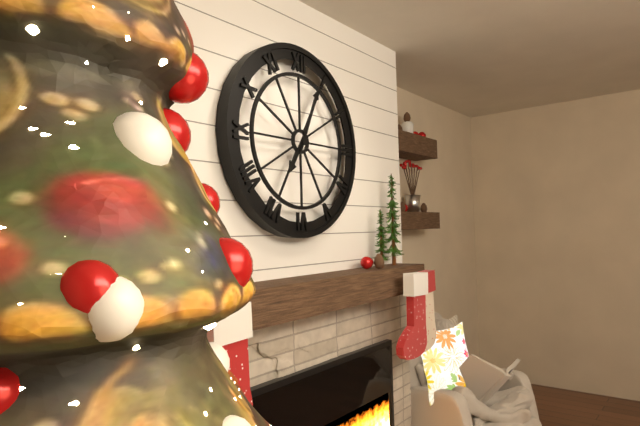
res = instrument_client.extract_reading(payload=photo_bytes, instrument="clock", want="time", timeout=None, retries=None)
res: 7:04
